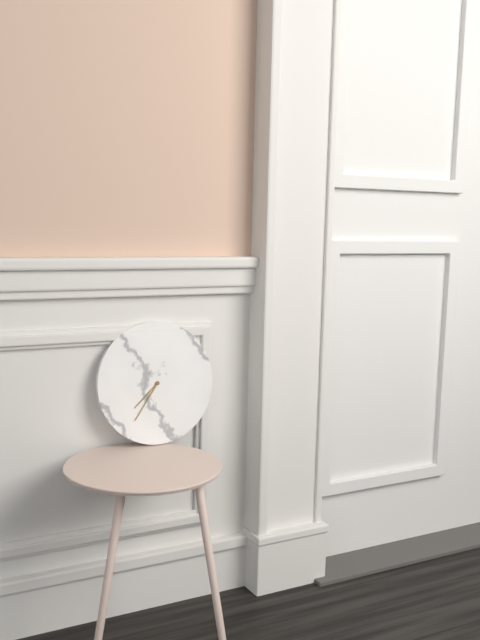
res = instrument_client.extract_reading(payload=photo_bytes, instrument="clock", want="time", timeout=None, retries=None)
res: 7:36
